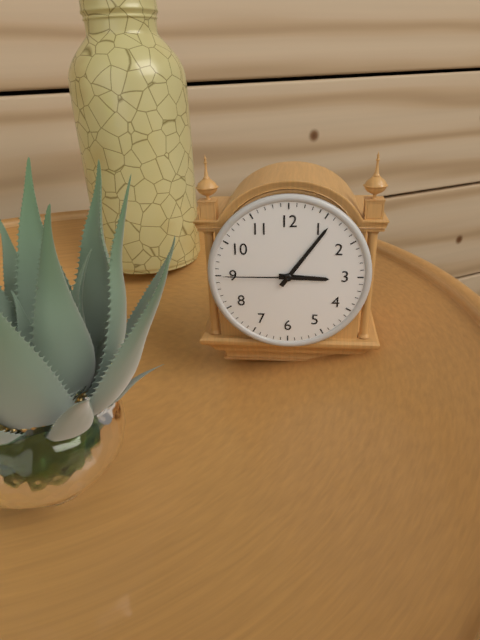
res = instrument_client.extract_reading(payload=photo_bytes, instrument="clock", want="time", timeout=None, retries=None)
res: 3:06:45
